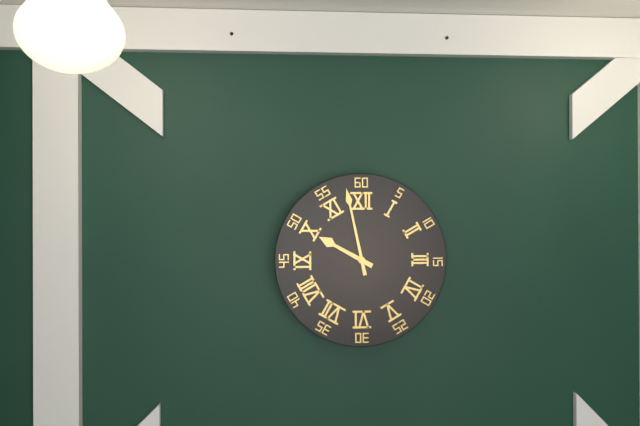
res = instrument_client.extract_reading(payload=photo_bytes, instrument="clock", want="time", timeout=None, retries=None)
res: 9:58
